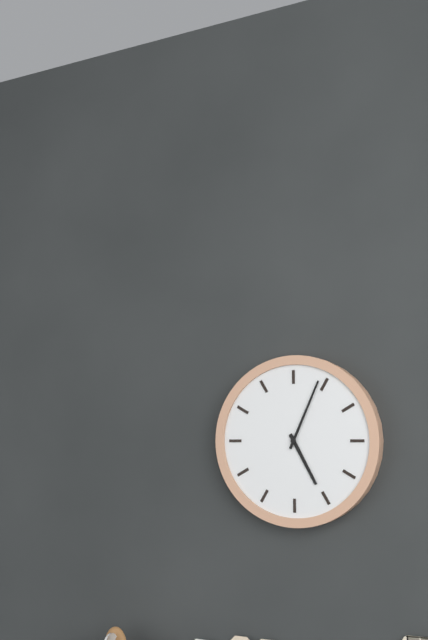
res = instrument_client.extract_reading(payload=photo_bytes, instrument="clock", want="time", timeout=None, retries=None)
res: 5:04
